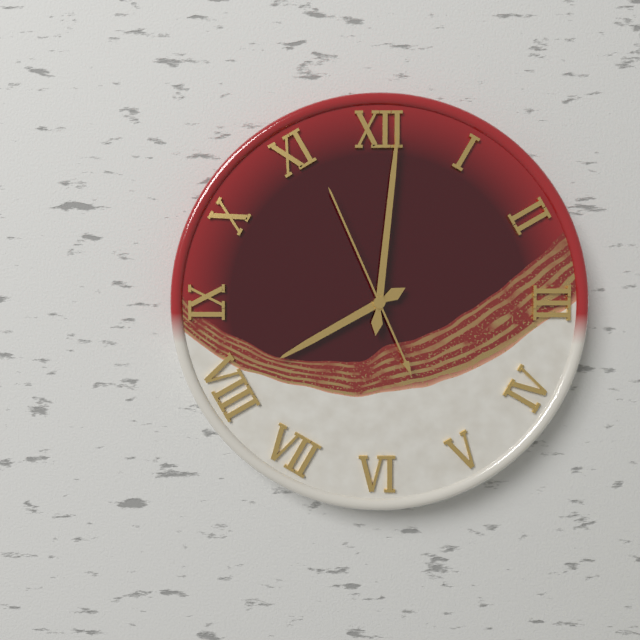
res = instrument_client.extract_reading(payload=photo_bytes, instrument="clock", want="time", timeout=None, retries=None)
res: 8:01:56
